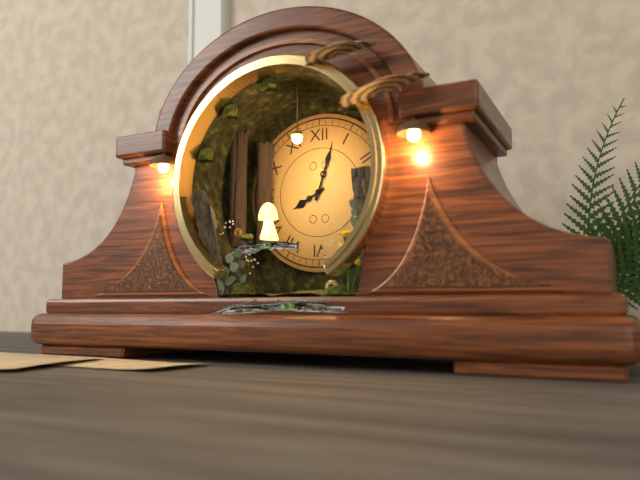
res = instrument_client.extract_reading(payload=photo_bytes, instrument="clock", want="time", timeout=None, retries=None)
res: 8:03
